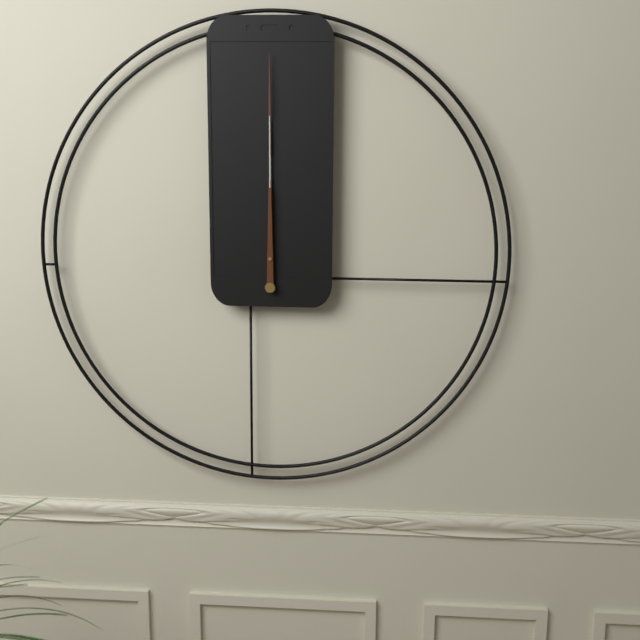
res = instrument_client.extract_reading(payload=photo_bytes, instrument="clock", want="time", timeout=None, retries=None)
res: 12:00
